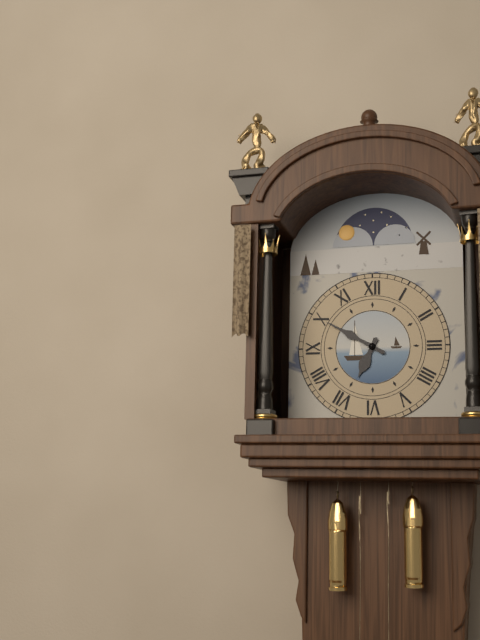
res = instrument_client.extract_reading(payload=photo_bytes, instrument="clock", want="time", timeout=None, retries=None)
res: 6:50
